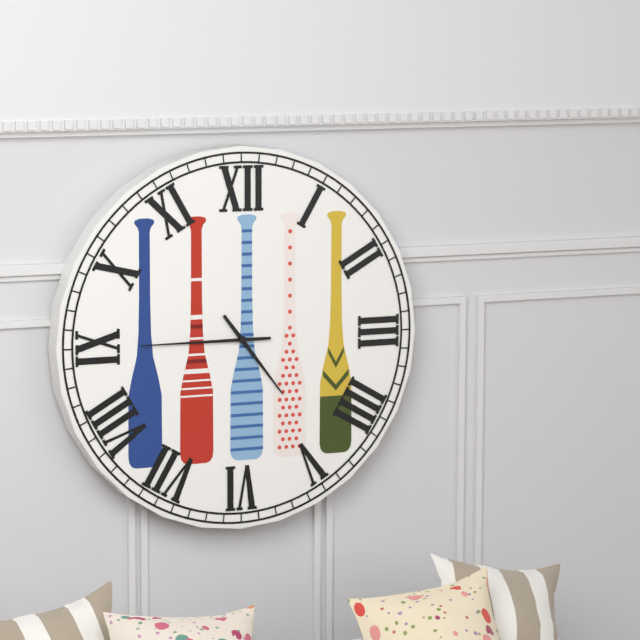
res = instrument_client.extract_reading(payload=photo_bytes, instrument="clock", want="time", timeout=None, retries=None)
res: 4:45
